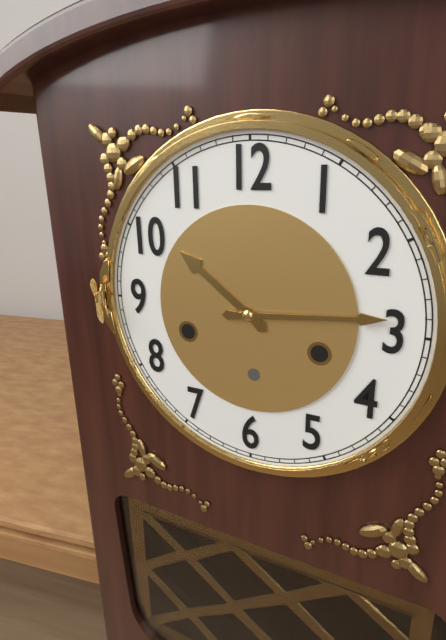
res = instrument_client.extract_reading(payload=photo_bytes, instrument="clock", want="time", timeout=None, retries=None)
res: 10:14
